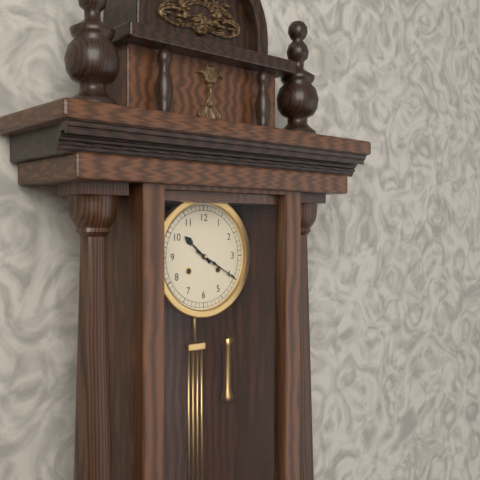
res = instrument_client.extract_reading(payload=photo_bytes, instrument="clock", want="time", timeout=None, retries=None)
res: 10:20
